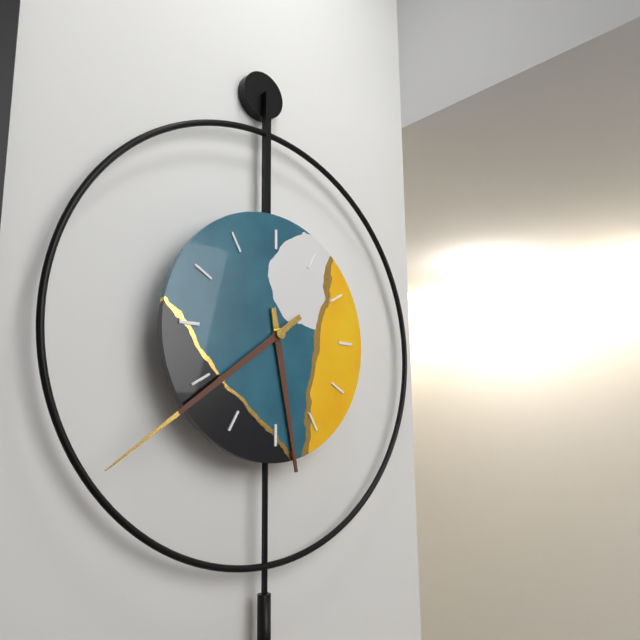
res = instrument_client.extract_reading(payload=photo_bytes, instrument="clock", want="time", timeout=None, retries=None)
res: 5:39
